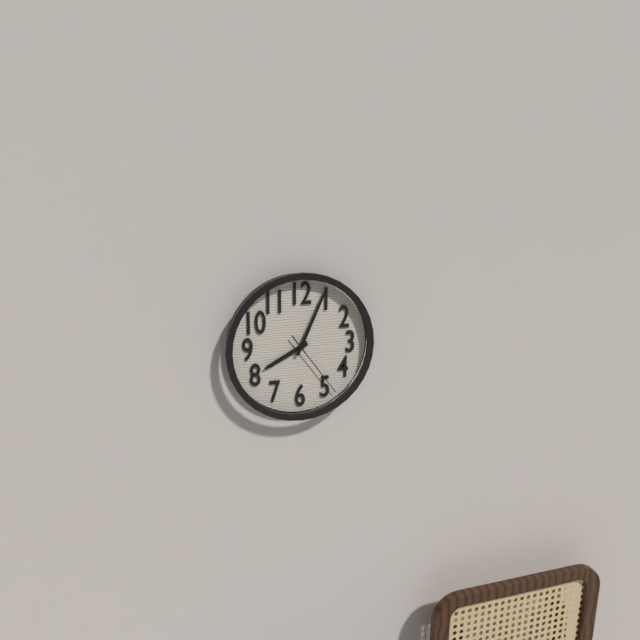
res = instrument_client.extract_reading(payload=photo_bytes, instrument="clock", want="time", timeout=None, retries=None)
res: 8:04:24
